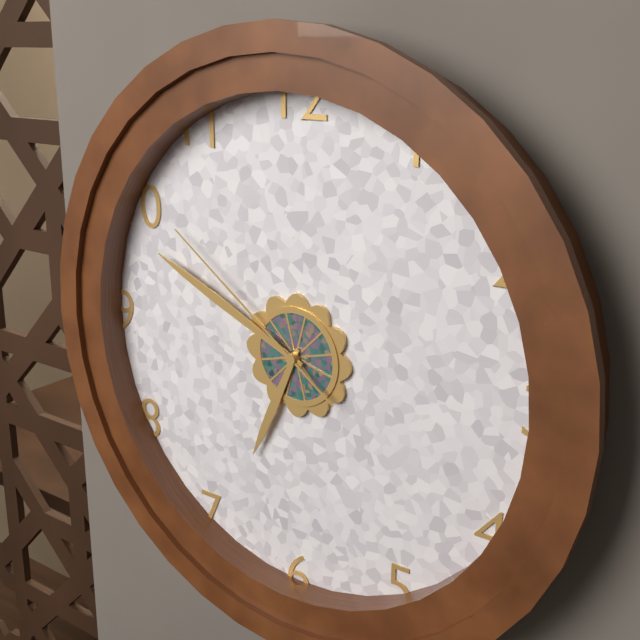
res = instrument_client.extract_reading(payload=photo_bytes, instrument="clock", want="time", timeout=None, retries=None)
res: 6:49:51
